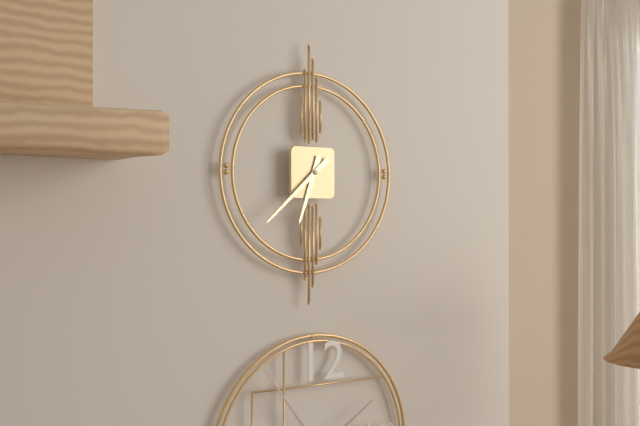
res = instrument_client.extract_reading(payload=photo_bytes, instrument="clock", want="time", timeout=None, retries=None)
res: 6:38
